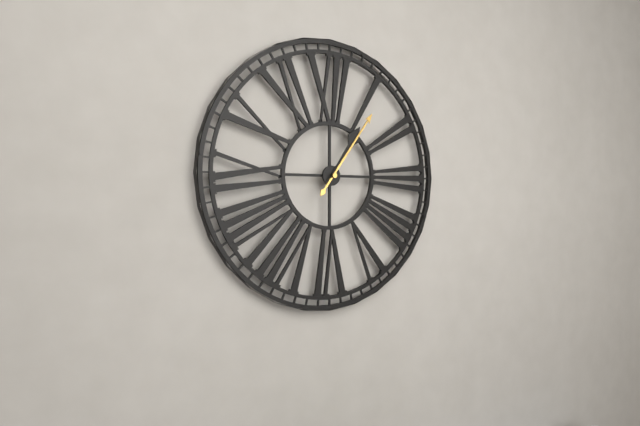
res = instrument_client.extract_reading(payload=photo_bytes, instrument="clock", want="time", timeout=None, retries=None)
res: 1:06
